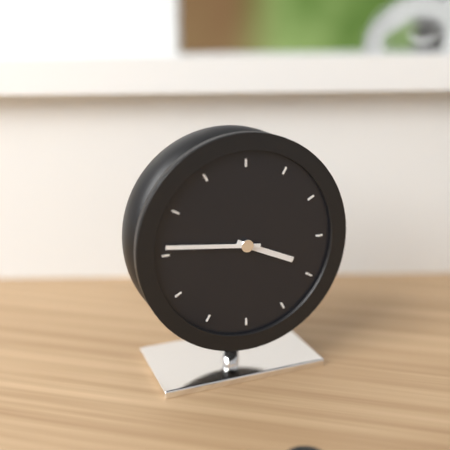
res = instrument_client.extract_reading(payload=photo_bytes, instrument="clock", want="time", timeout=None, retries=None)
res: 3:46
